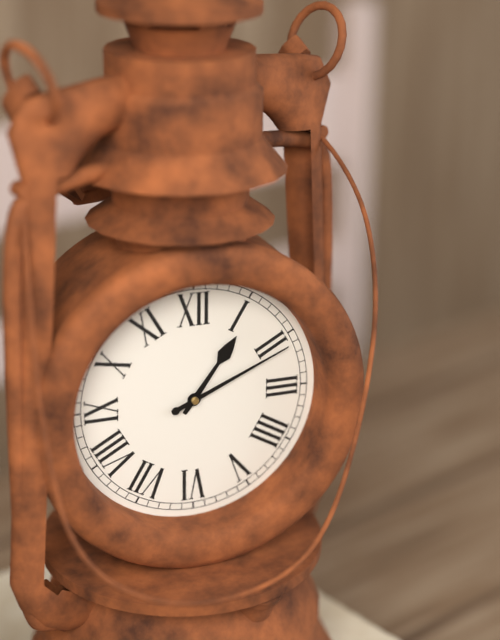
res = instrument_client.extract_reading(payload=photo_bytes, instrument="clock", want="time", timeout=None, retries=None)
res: 1:11
